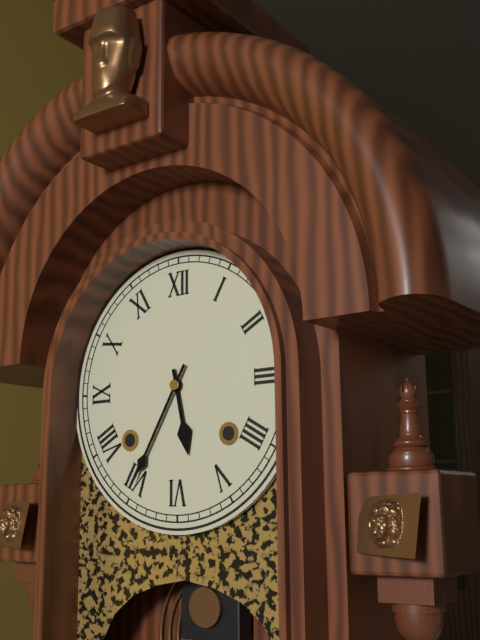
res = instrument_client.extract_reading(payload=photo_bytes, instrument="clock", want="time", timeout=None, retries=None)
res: 5:35
